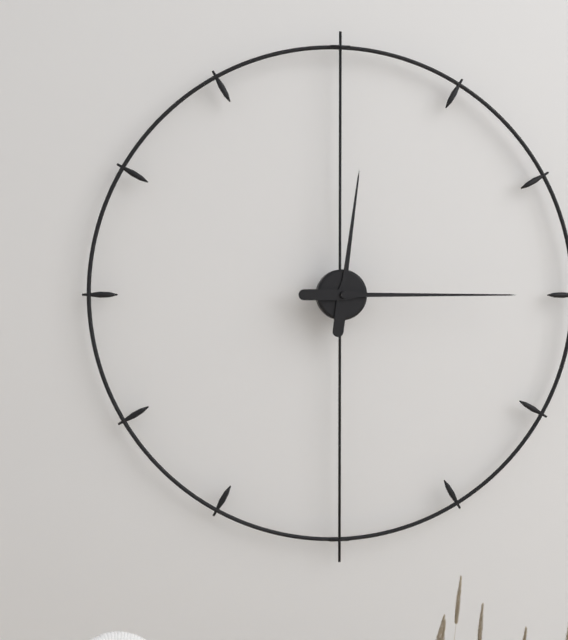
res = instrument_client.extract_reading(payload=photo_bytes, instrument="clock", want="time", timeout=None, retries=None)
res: 12:15
